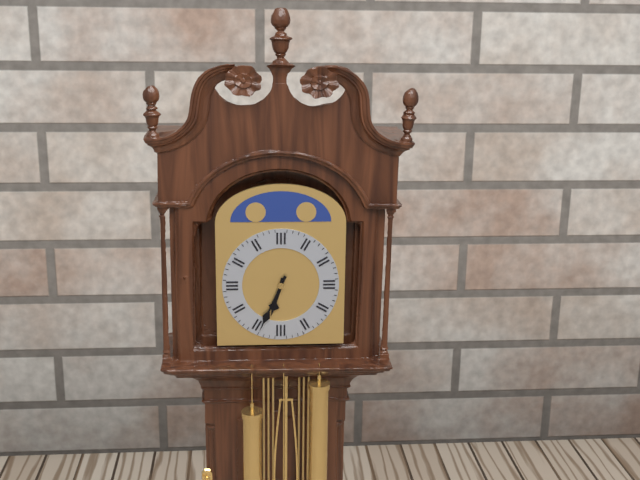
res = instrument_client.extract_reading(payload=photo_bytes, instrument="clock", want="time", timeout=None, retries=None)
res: 6:34
